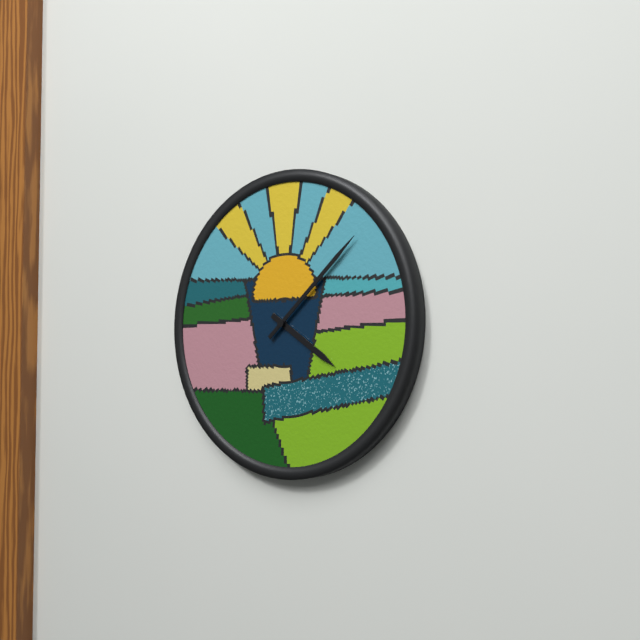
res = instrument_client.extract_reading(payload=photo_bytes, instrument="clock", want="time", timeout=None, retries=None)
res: 4:08
